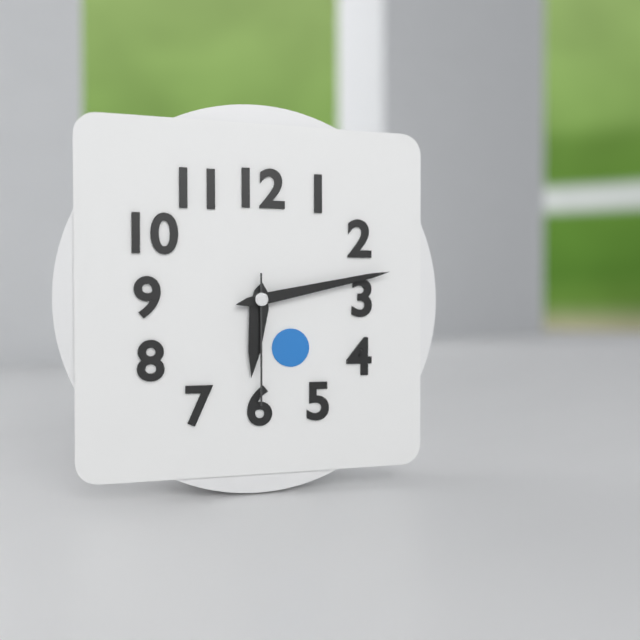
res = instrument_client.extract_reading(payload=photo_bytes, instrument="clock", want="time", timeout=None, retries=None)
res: 6:13:30
